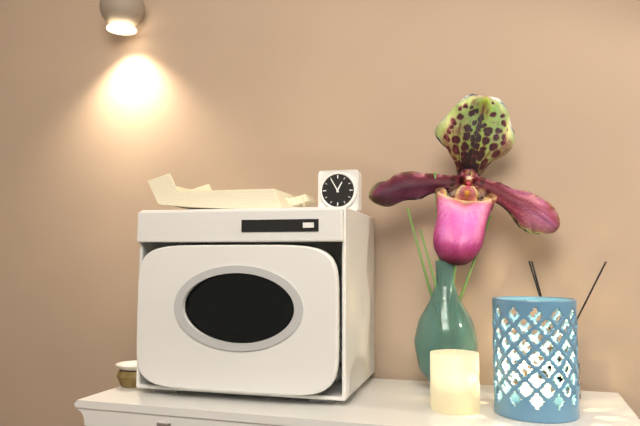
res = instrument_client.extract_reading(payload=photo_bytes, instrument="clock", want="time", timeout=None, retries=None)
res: 12:55
